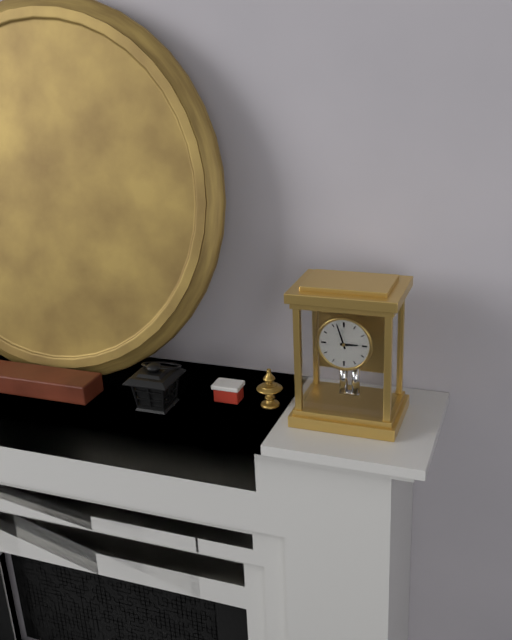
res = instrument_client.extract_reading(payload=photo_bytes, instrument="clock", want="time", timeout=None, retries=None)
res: 2:57
